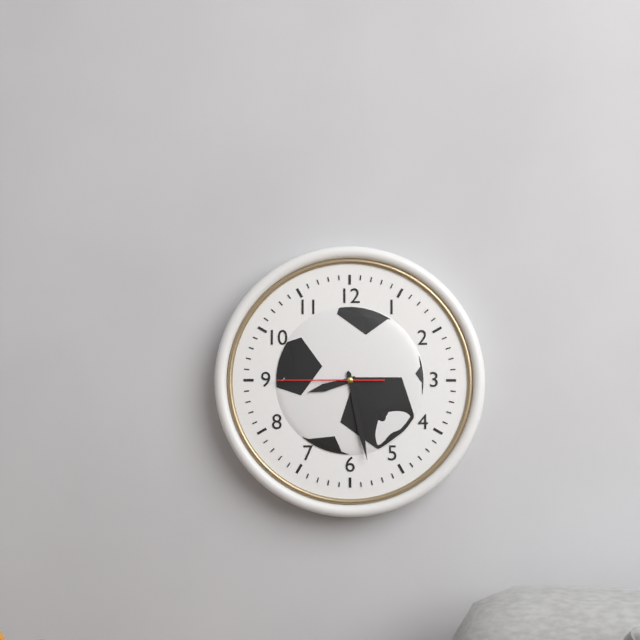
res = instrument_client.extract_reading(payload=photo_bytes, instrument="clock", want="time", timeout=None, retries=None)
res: 8:28:45
